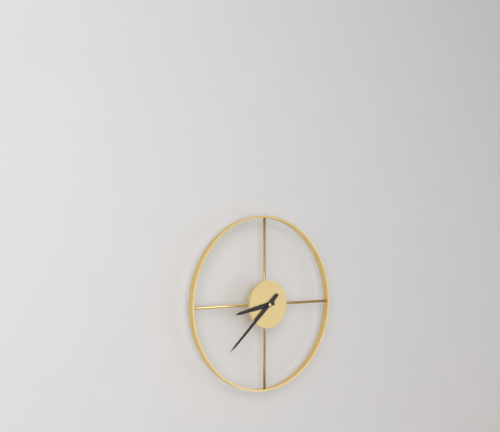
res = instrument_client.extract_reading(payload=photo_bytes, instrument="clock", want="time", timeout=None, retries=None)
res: 8:38
